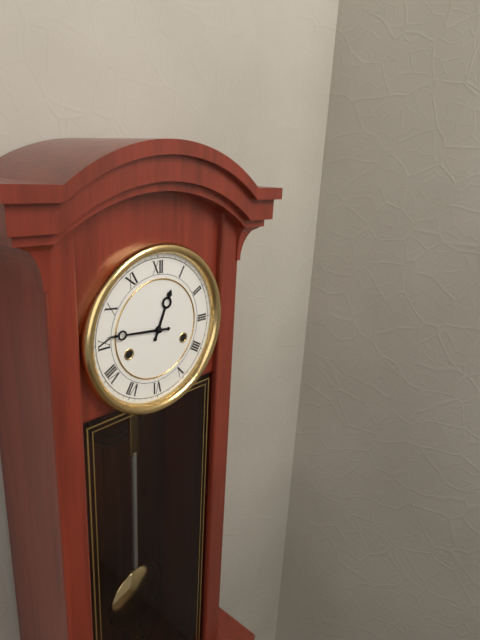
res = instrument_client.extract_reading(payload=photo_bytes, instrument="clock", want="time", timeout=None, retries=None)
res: 12:46
